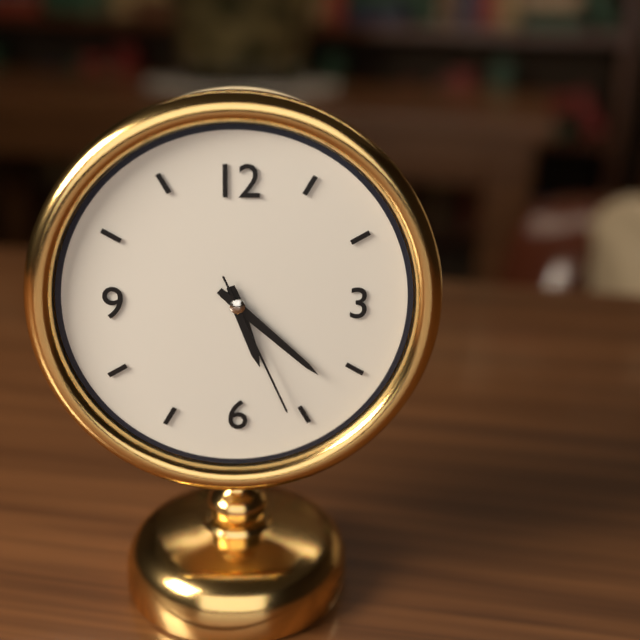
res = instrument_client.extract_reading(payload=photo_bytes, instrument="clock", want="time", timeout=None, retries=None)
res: 5:22:26
